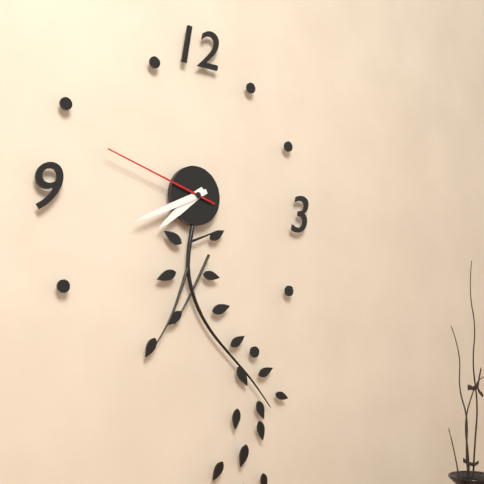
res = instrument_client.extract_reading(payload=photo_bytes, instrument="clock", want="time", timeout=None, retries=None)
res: 7:41:48
